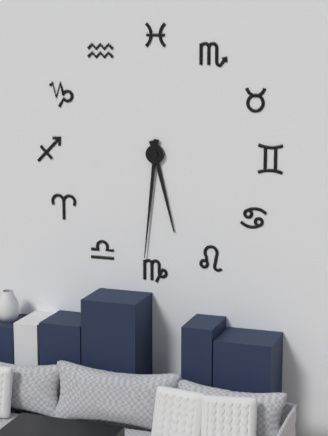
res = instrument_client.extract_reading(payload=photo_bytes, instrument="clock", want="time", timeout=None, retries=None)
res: 5:31
